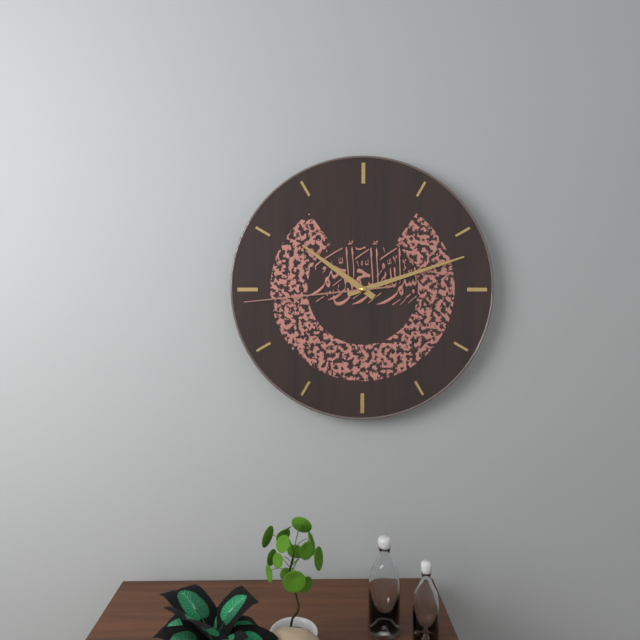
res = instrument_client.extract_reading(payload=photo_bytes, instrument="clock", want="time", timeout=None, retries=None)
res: 10:12:44
